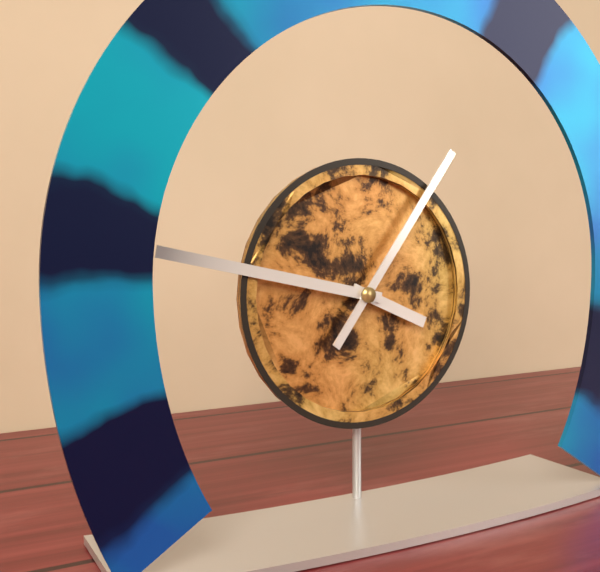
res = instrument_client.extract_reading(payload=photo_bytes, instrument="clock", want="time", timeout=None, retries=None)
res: 3:47:06
